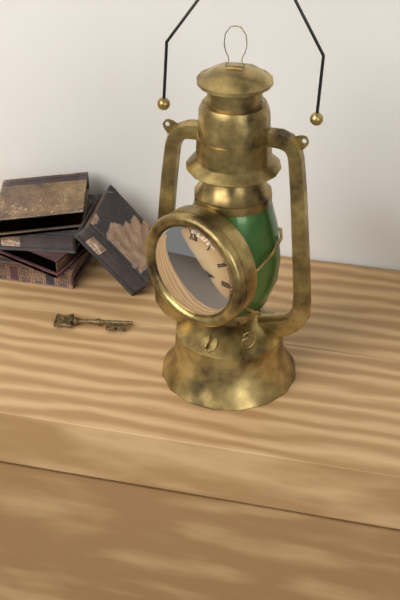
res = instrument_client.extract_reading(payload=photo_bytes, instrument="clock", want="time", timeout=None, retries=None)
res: 2:40
